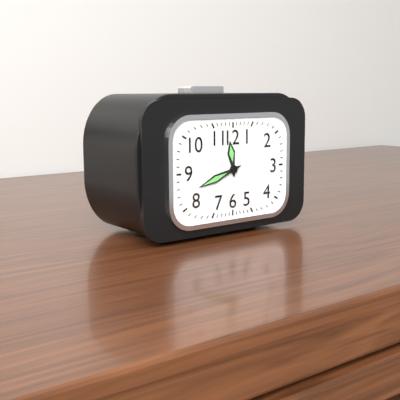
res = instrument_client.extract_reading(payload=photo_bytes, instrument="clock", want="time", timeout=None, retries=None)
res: 11:42
